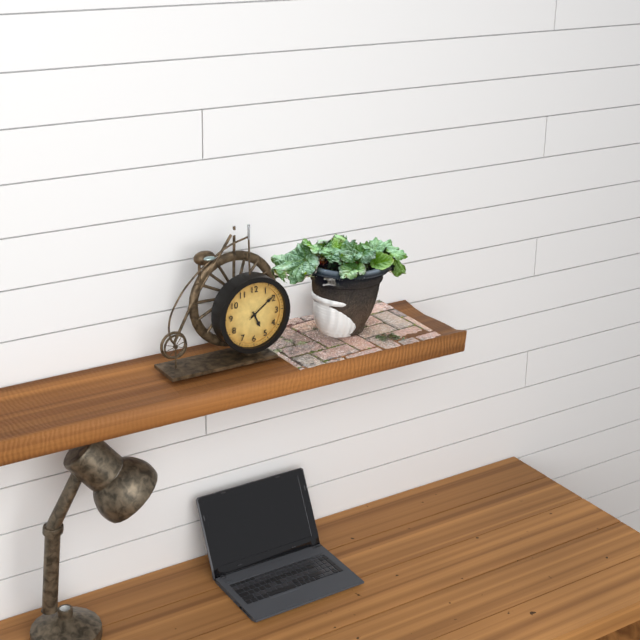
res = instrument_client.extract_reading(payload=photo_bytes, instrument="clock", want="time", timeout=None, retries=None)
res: 5:09
